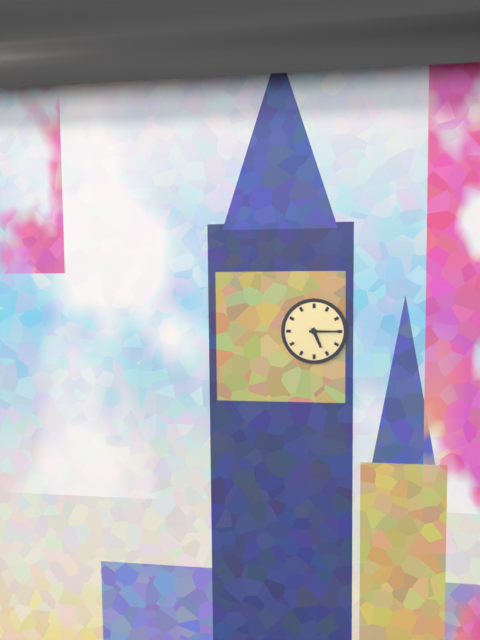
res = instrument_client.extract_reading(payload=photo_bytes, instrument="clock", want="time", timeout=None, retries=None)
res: 5:15
